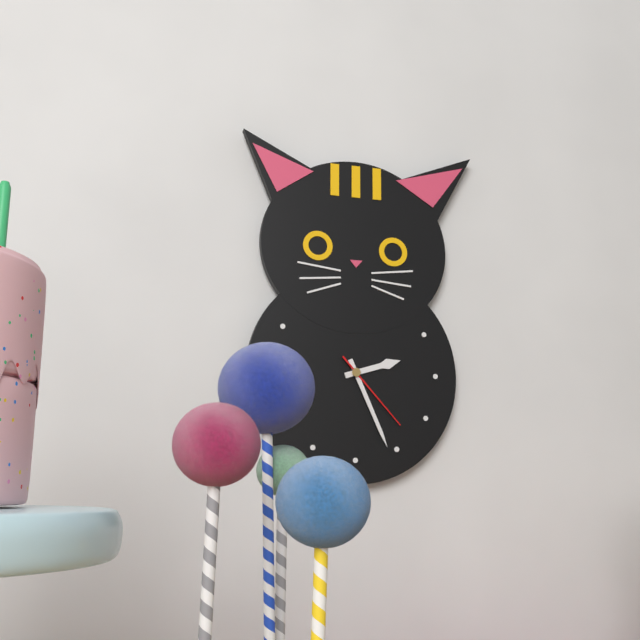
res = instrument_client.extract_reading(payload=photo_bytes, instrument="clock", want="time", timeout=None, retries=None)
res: 2:26:23
